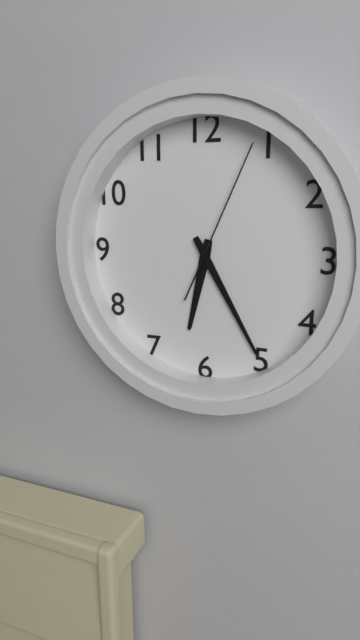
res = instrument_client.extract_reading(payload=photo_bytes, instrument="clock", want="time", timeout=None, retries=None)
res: 6:25:04
